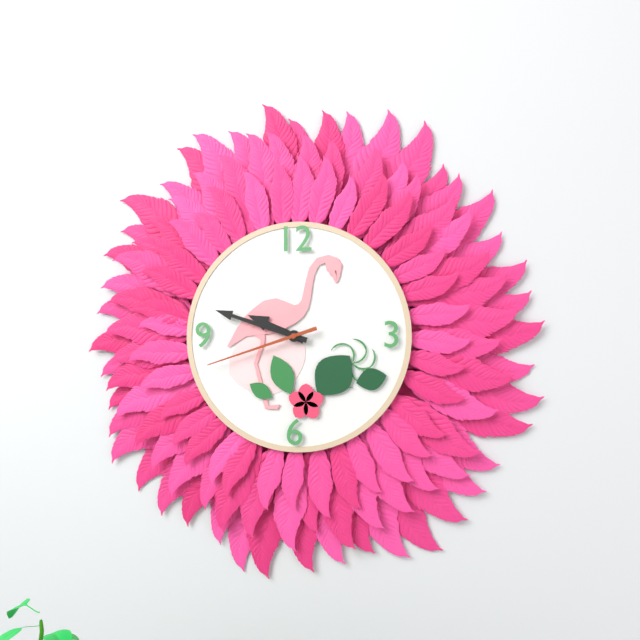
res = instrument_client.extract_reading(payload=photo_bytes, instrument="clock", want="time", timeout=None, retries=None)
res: 9:48:42
